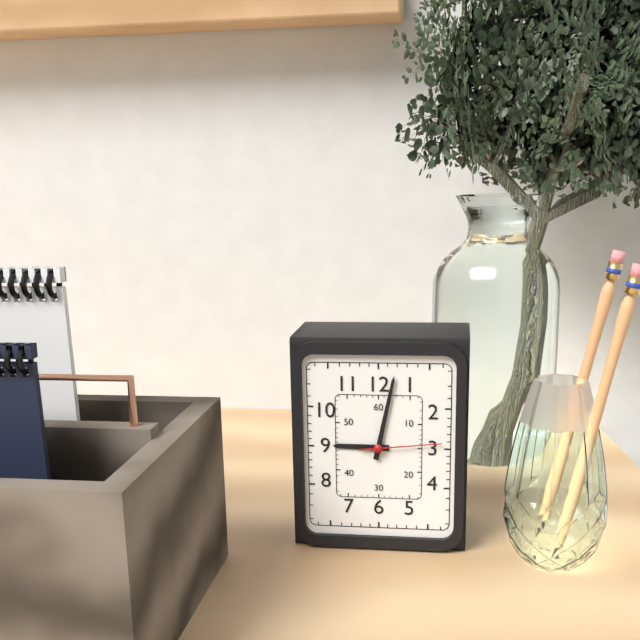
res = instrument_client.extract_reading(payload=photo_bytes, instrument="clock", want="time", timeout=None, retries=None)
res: 9:02:14
